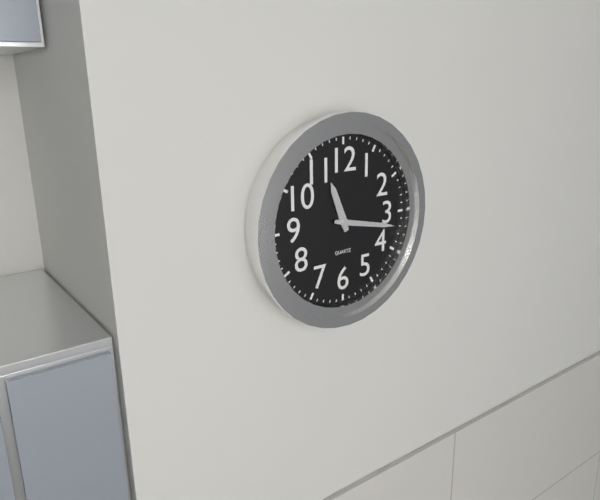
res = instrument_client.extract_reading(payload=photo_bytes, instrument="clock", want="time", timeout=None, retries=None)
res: 11:17
